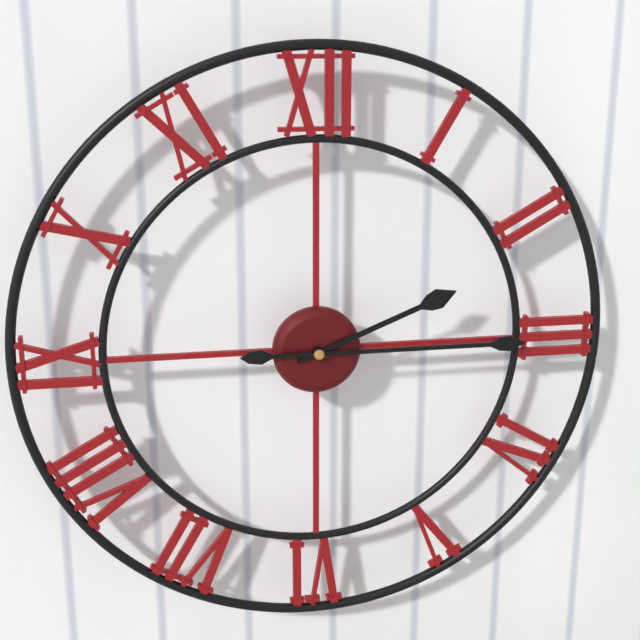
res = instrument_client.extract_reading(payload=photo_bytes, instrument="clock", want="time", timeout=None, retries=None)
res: 2:15
